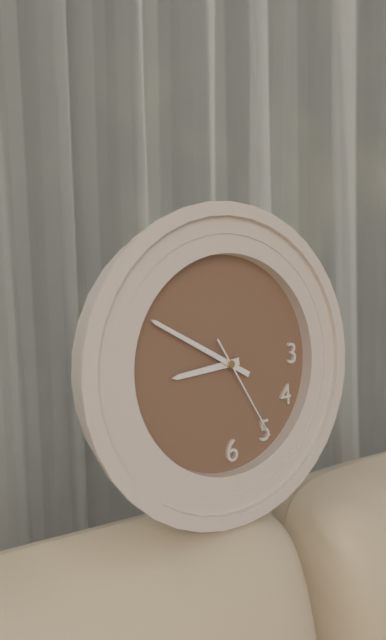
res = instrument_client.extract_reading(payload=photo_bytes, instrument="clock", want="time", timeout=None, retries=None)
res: 8:50:25
